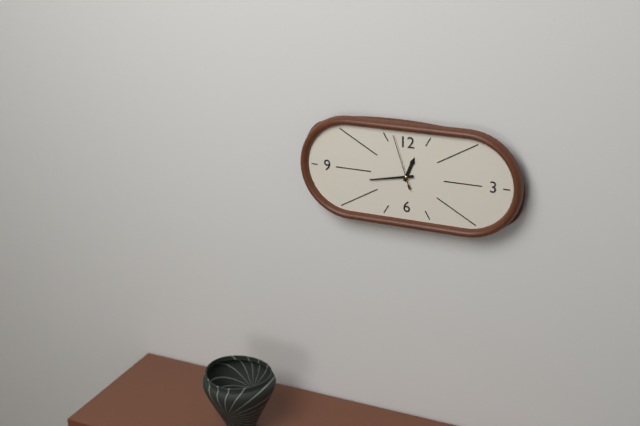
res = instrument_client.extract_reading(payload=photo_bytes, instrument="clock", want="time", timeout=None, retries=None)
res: 12:43:57
